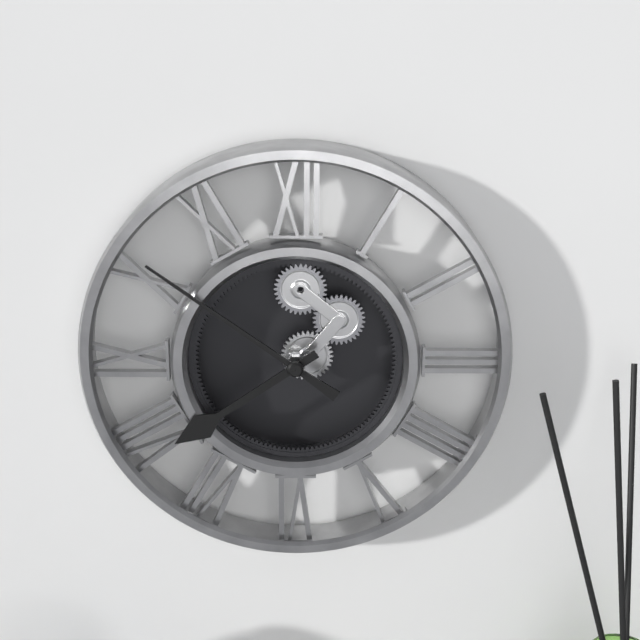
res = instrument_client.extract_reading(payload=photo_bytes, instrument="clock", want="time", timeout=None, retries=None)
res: 7:51
